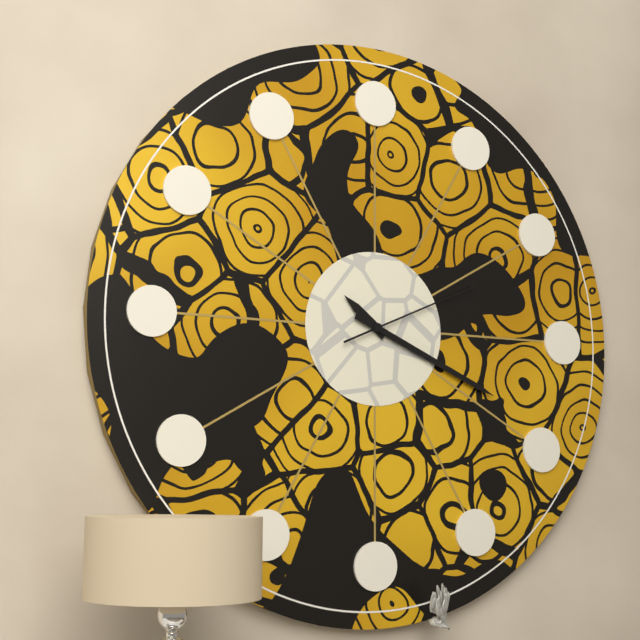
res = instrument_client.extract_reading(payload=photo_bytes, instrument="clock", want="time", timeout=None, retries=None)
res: 10:19:11
